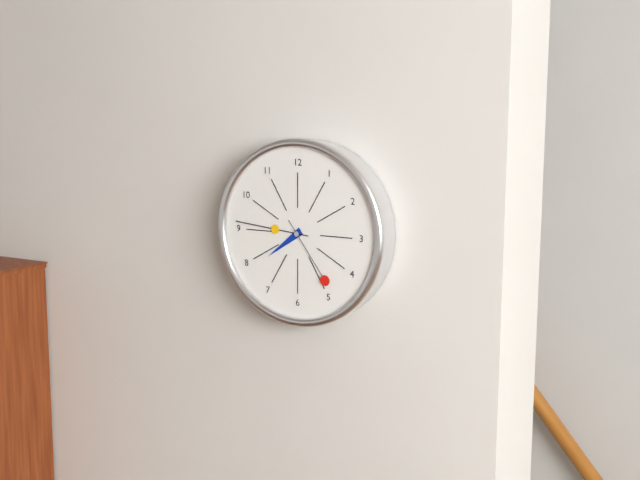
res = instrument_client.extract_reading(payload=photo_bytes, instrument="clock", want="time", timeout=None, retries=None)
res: 7:46:24
